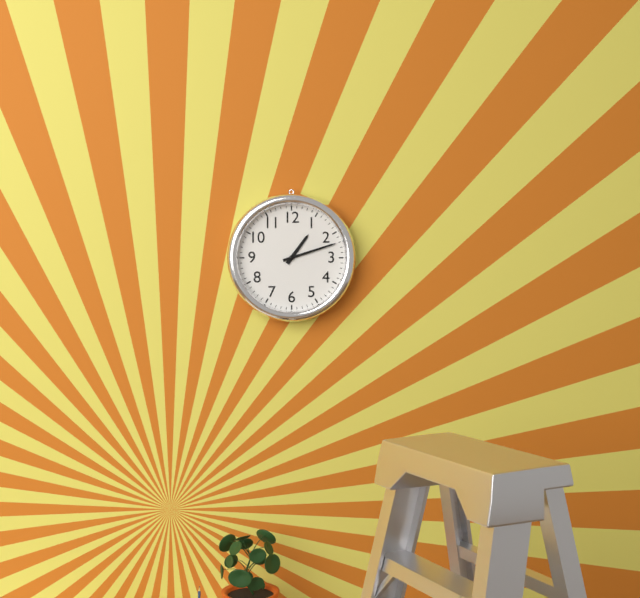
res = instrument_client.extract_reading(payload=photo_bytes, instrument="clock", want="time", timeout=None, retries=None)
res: 1:12
